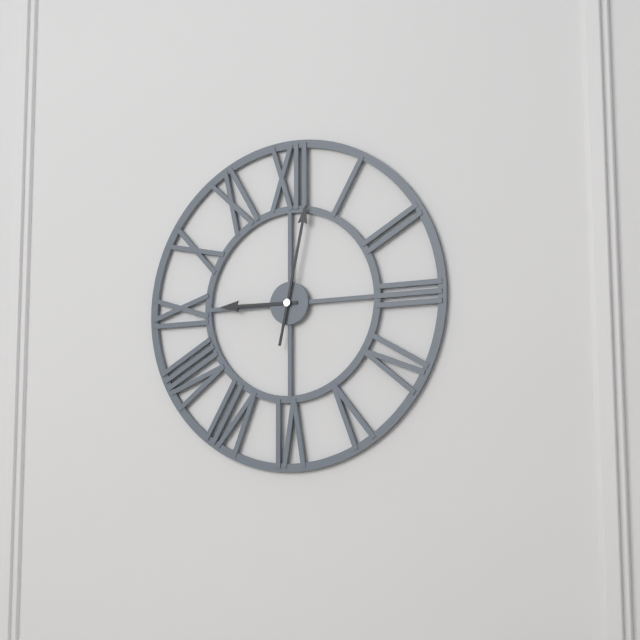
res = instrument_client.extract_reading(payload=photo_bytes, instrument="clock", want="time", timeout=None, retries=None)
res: 9:02
